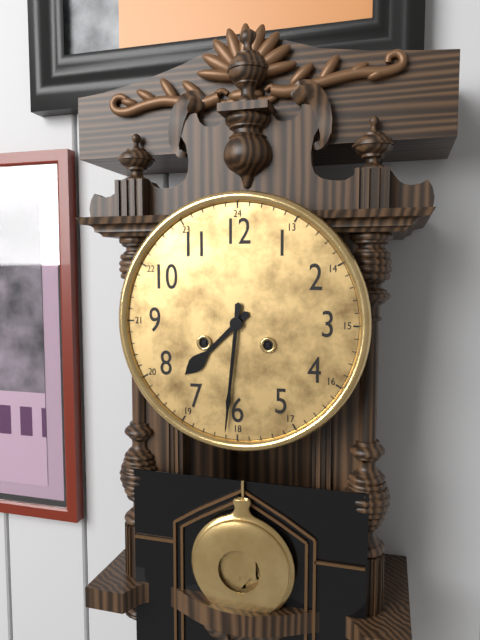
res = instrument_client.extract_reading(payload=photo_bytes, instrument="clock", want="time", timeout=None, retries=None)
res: 7:31
